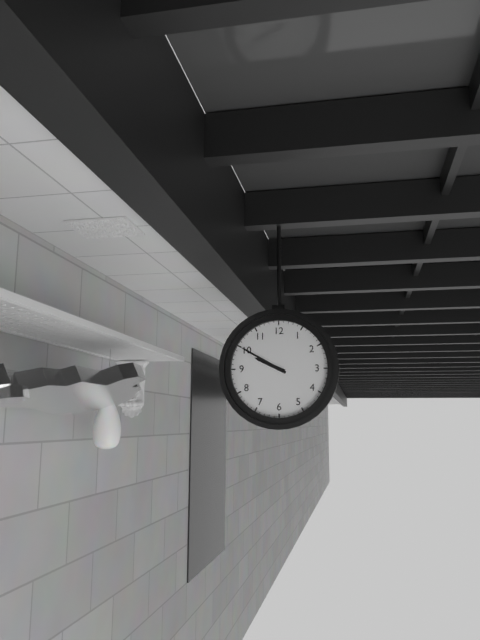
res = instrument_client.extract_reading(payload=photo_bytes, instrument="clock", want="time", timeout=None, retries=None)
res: 9:50
